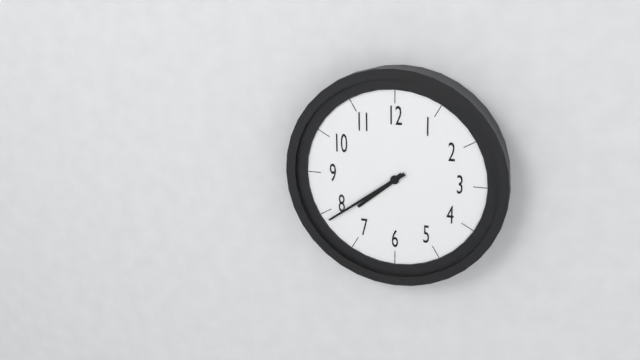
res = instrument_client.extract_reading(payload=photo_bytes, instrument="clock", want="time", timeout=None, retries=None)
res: 7:39
